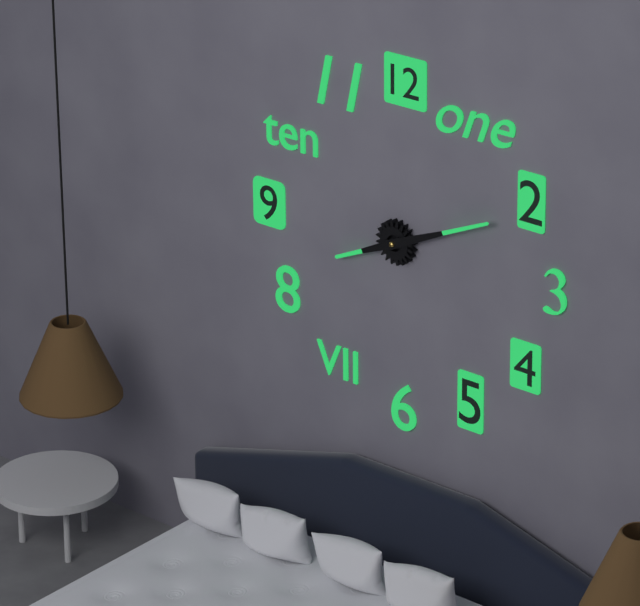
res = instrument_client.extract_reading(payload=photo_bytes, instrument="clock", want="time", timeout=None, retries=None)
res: 8:11
